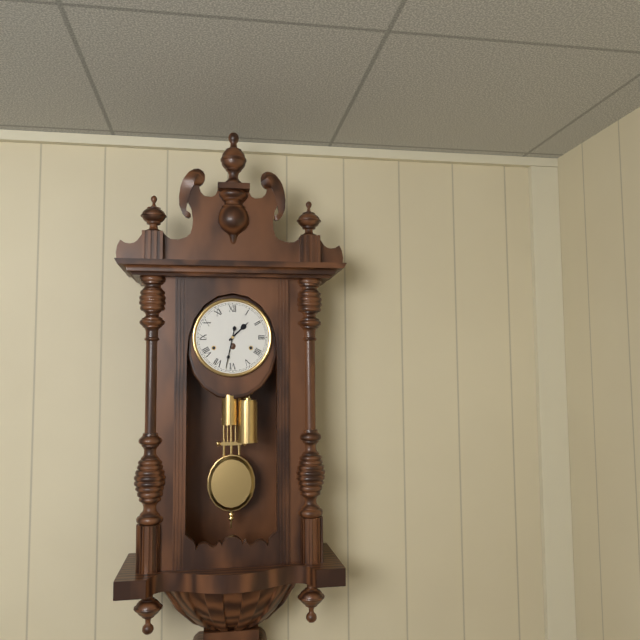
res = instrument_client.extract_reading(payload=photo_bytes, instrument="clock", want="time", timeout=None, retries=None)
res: 1:32
